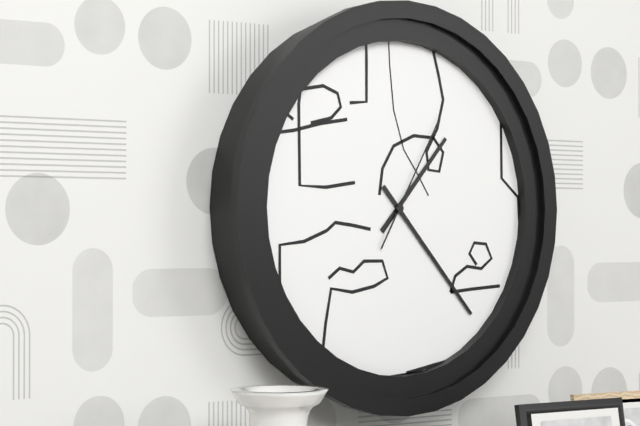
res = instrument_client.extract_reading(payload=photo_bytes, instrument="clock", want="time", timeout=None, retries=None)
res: 1:23:05
